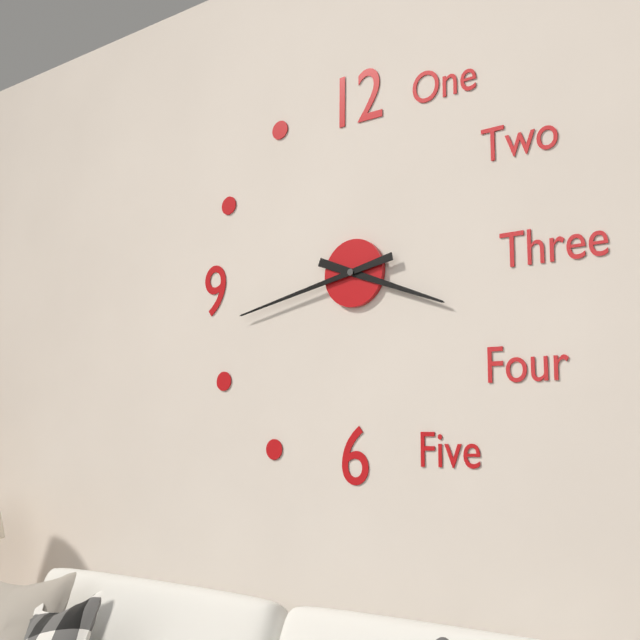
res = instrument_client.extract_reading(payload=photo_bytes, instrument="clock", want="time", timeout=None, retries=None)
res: 3:43
